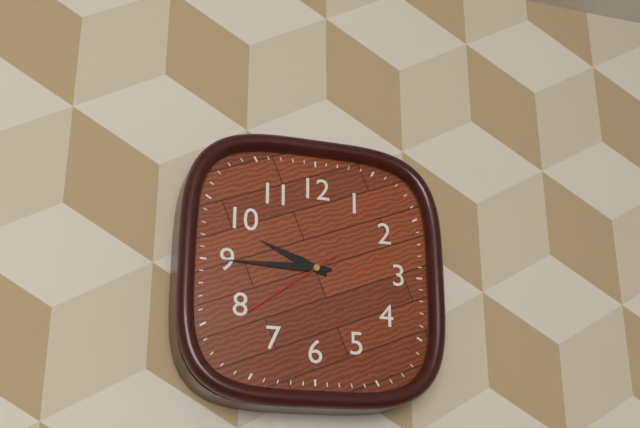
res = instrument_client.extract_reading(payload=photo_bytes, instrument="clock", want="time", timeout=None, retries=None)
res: 9:45:39
